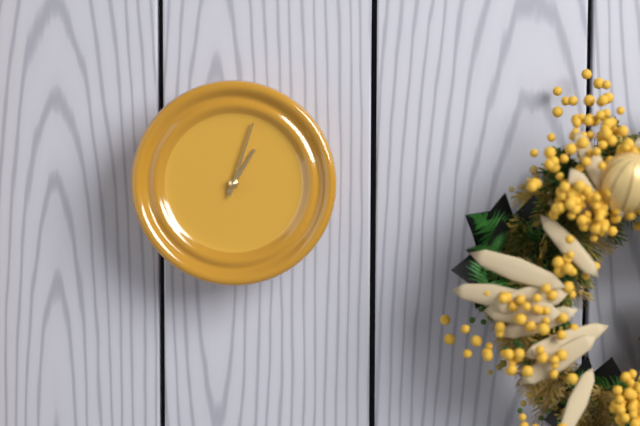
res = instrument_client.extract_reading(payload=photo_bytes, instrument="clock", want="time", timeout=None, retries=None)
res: 1:03
